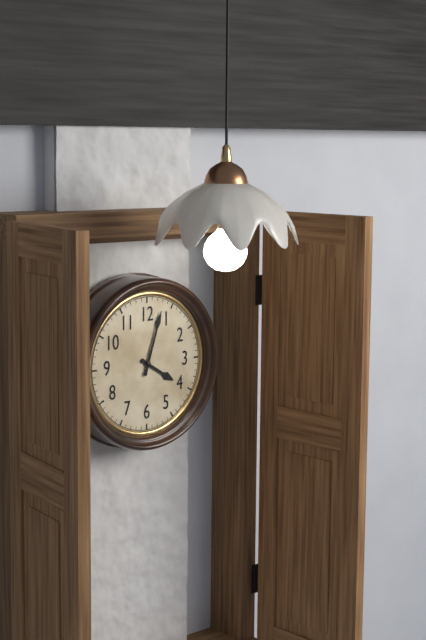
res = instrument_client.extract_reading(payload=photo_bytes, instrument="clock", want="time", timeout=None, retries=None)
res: 4:03
